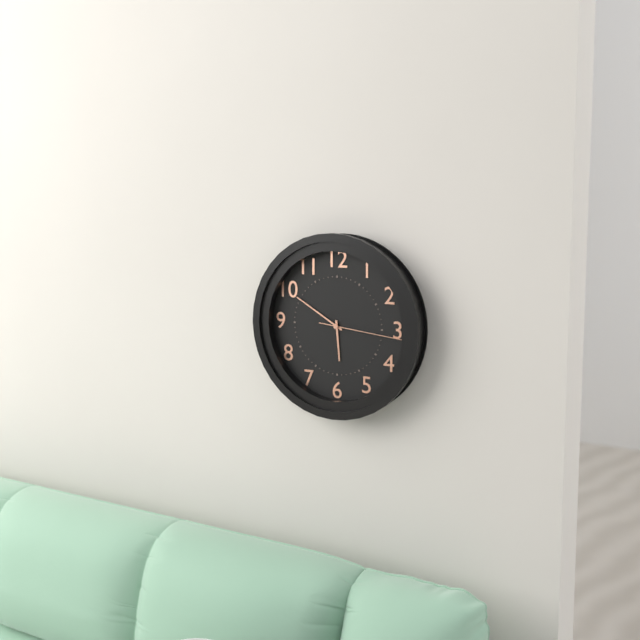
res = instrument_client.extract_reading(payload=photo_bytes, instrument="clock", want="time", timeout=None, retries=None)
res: 5:50:16
